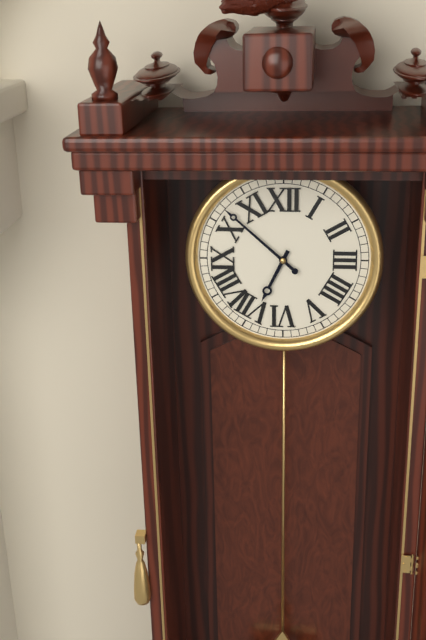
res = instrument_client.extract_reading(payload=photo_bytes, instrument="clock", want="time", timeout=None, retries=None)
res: 6:52
